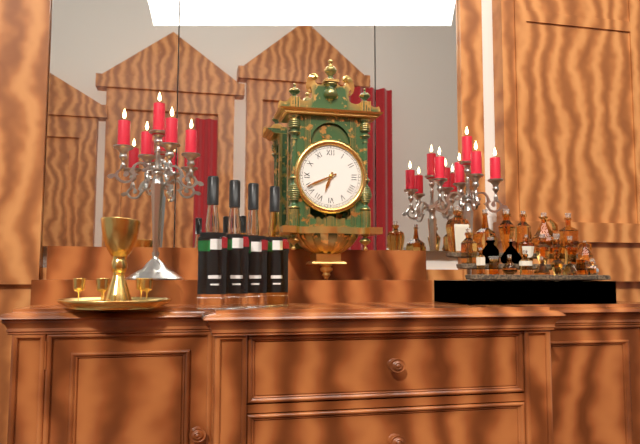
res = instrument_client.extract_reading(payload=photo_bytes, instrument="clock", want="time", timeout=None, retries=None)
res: 6:41
